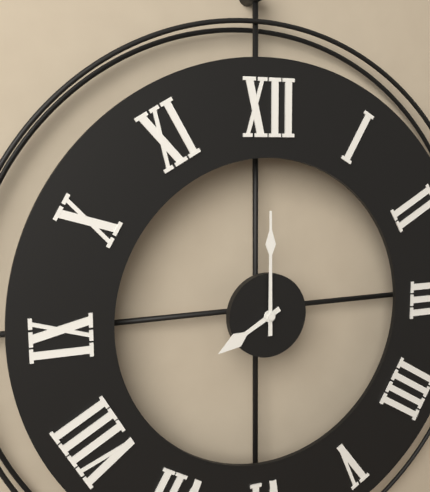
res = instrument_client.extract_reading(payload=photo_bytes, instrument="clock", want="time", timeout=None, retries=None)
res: 8:00
